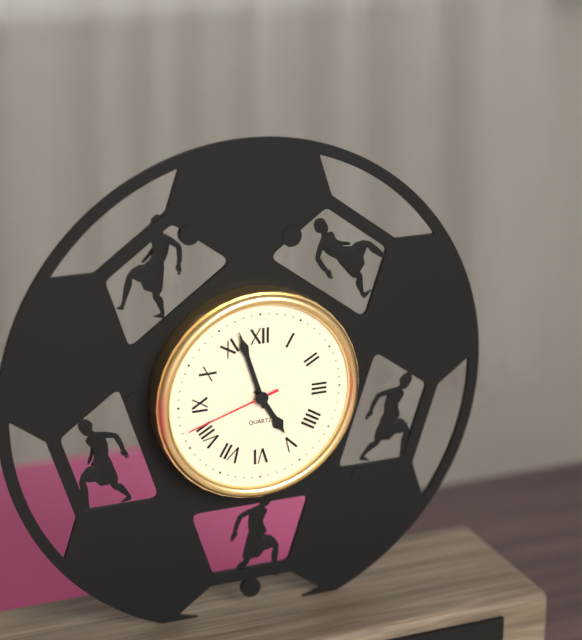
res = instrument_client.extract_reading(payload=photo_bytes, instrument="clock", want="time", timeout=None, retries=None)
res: 4:57:42
